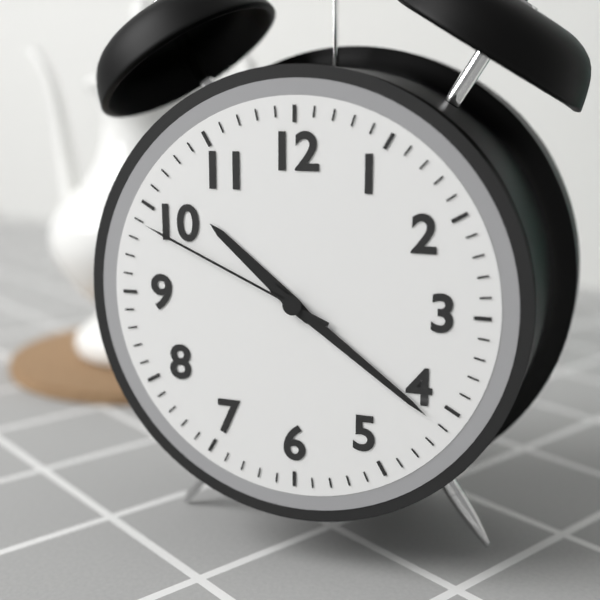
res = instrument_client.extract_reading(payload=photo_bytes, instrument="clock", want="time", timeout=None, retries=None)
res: 10:21:49
